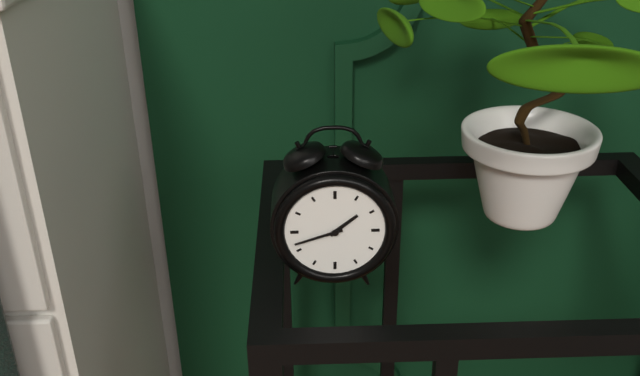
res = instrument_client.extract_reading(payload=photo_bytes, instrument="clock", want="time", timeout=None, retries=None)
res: 1:42
